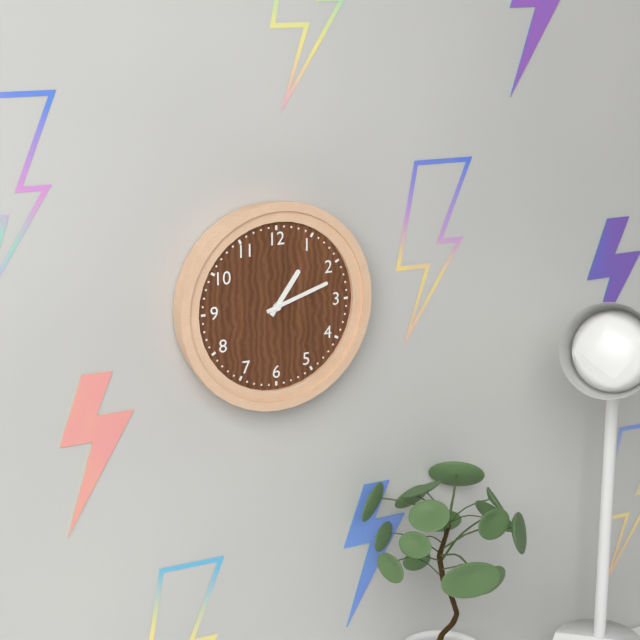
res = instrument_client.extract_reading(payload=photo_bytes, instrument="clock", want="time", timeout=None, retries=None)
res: 1:12
